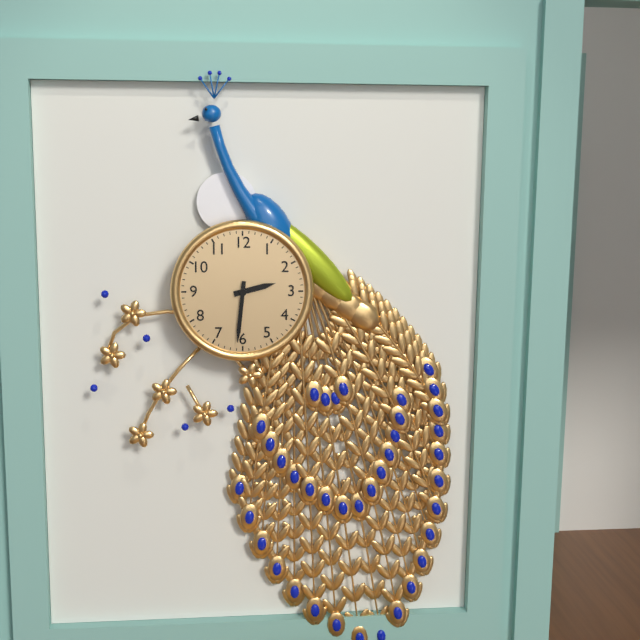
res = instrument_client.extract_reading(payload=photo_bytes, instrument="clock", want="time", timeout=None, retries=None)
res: 2:31
